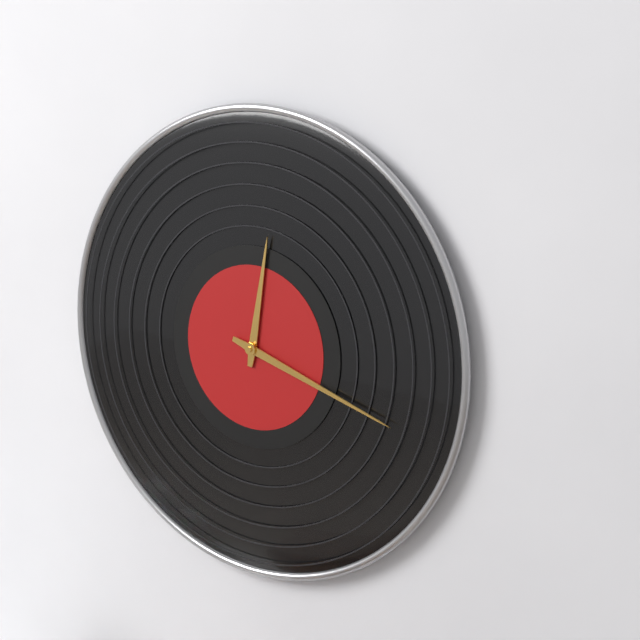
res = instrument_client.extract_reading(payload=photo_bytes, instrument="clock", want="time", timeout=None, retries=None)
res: 12:18
